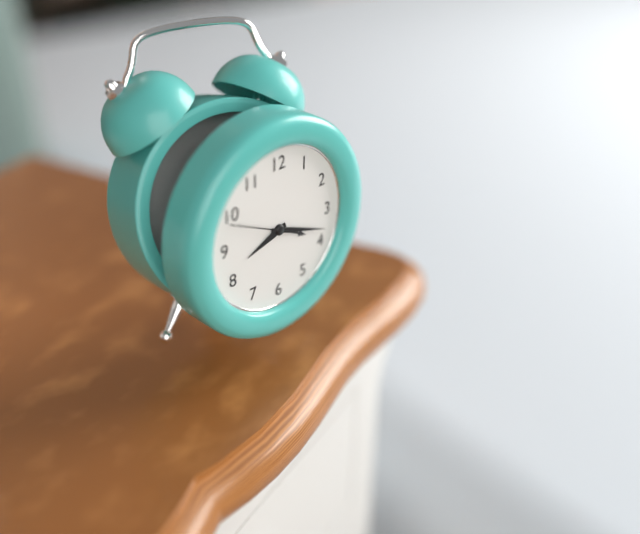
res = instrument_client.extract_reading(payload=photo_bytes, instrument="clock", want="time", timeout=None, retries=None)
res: 8:18:49
